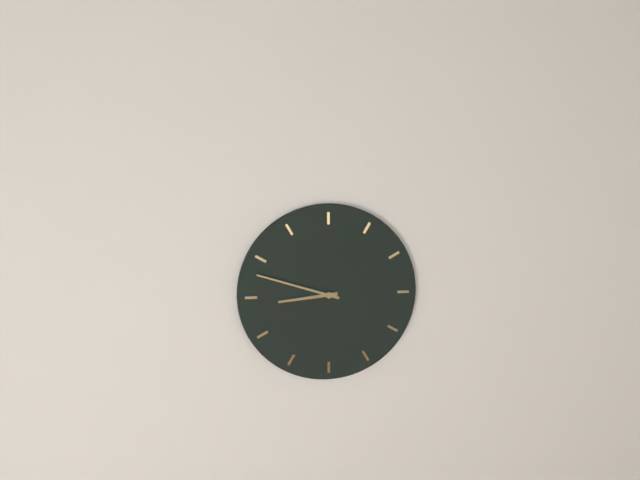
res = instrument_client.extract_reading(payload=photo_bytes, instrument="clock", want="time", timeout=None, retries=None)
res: 8:48
